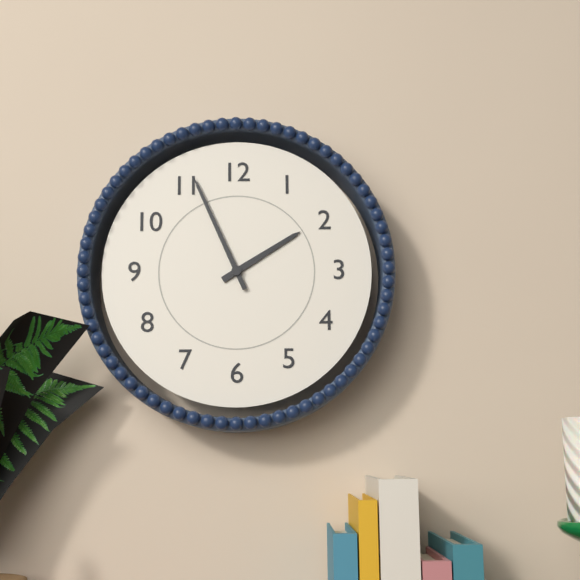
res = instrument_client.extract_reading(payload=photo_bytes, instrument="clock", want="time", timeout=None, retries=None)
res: 1:56
